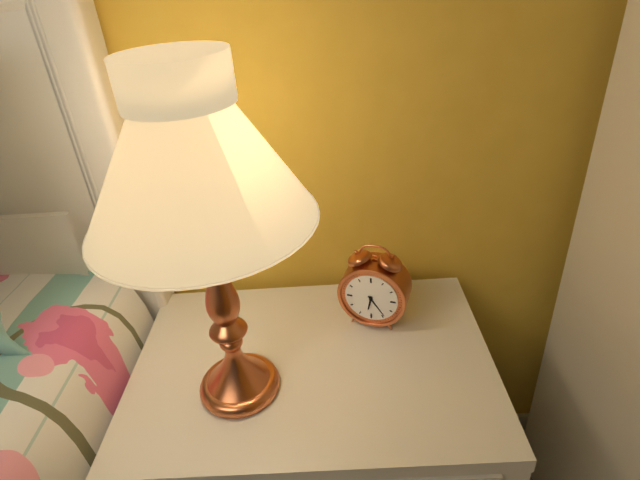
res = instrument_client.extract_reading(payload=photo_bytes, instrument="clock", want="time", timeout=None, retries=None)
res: 6:24
